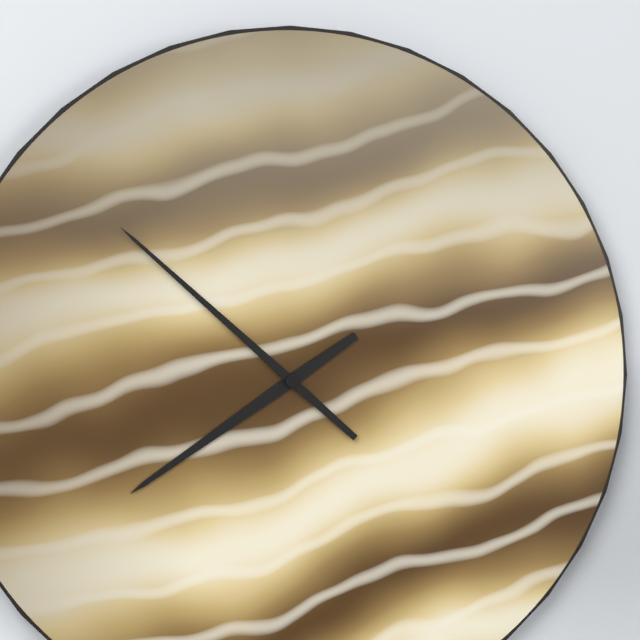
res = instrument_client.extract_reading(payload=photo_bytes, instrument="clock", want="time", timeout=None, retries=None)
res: 7:52
